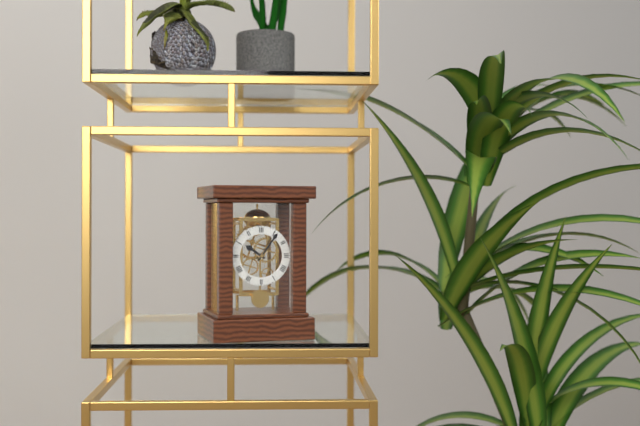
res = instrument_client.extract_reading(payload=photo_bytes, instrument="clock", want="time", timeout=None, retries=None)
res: 10:06
